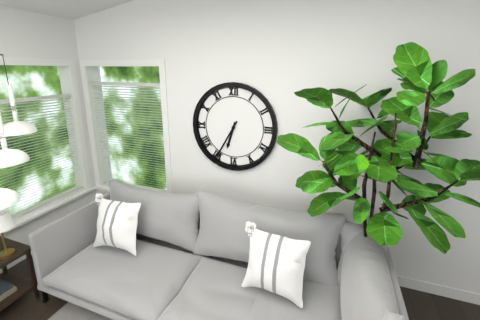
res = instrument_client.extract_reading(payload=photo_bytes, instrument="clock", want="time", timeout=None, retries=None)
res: 6:35
